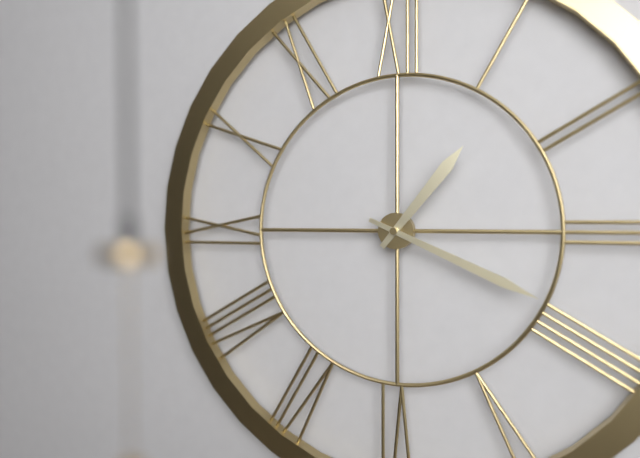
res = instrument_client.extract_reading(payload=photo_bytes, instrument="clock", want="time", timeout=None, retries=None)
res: 1:19
